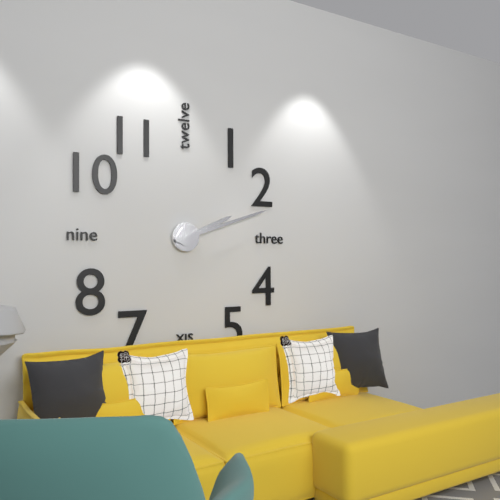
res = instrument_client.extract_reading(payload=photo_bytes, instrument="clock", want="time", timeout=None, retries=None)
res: 2:12
